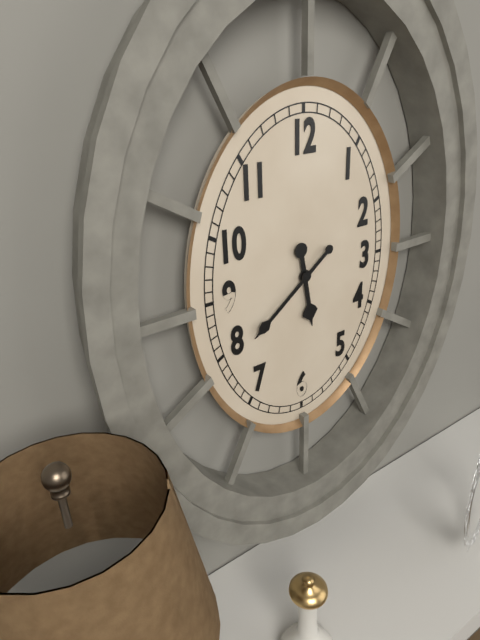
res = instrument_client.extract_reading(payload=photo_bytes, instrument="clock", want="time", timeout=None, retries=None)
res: 5:39
